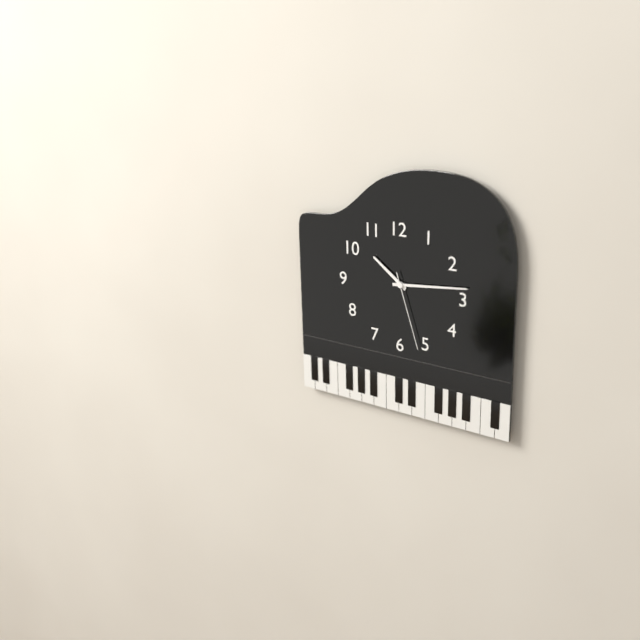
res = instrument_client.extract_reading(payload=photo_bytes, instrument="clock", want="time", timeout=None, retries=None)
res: 10:14:27
